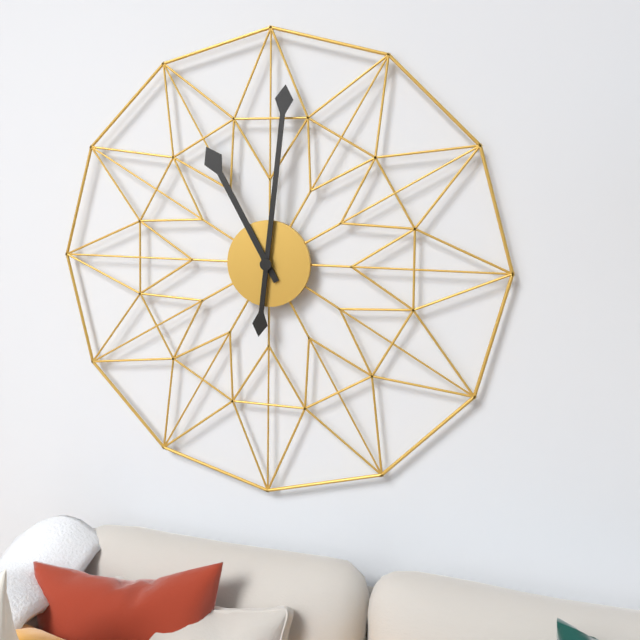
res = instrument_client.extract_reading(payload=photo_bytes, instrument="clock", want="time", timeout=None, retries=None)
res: 11:01
